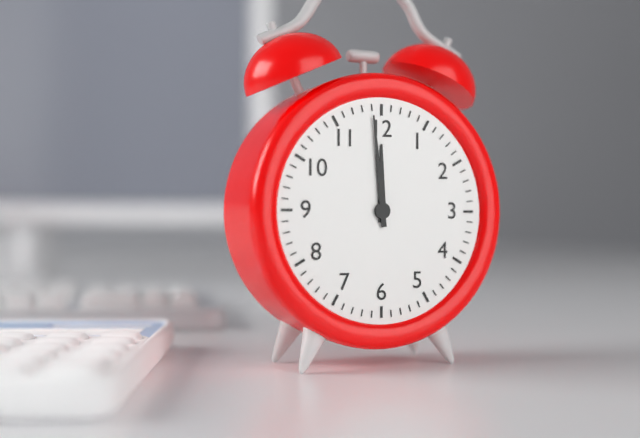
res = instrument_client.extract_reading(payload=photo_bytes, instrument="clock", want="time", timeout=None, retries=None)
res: 11:59
